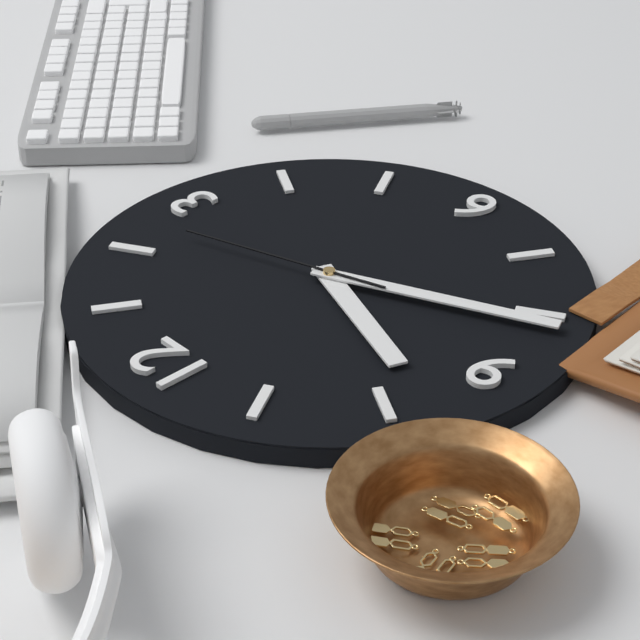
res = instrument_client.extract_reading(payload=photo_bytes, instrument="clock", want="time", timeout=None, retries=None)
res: 9:41:12
